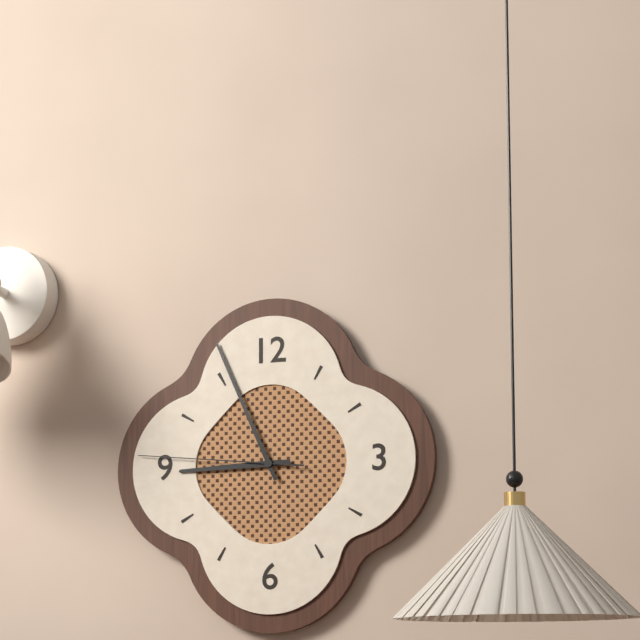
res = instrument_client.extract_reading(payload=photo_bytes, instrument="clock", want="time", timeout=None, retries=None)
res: 8:56:46
